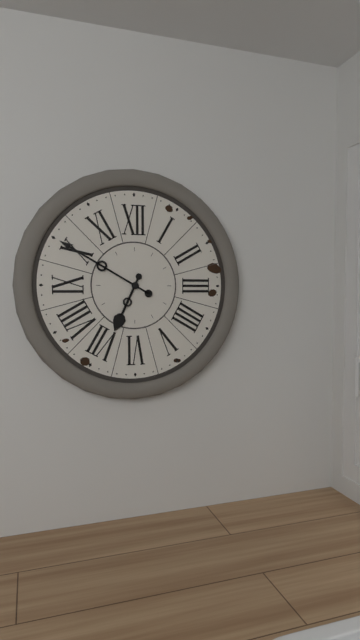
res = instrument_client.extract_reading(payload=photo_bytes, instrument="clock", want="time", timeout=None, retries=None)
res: 6:50
